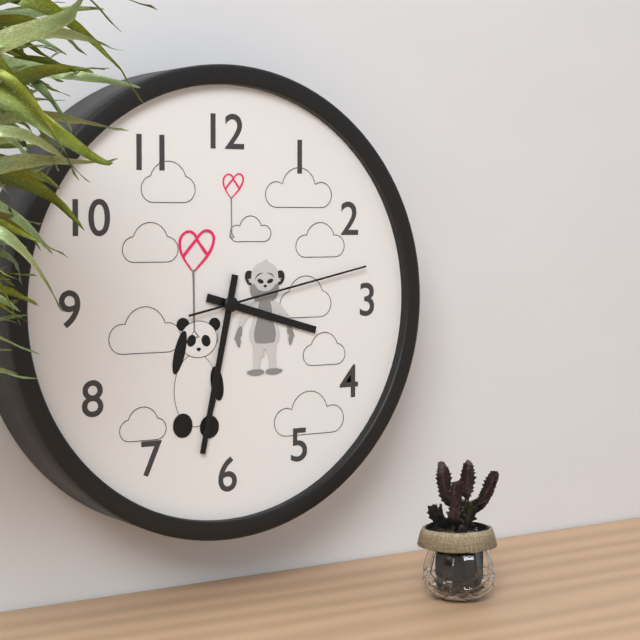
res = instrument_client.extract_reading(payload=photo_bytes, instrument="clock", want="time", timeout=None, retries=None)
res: 3:32:13
